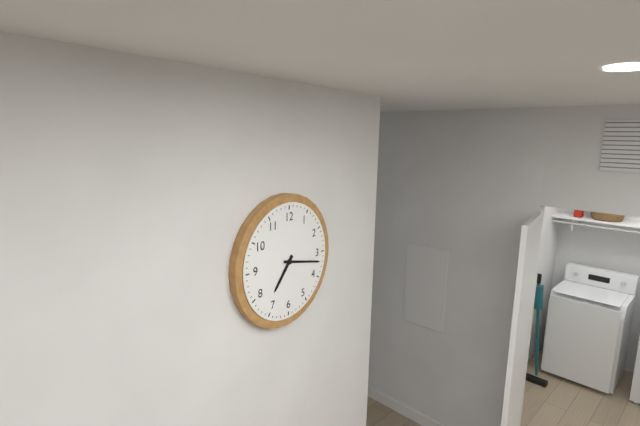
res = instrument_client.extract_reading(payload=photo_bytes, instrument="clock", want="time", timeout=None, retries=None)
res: 7:17
